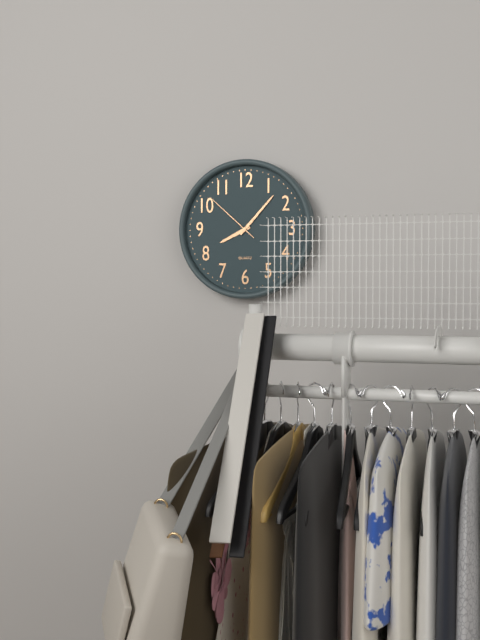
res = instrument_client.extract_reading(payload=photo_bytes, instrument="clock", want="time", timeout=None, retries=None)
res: 8:07:52
